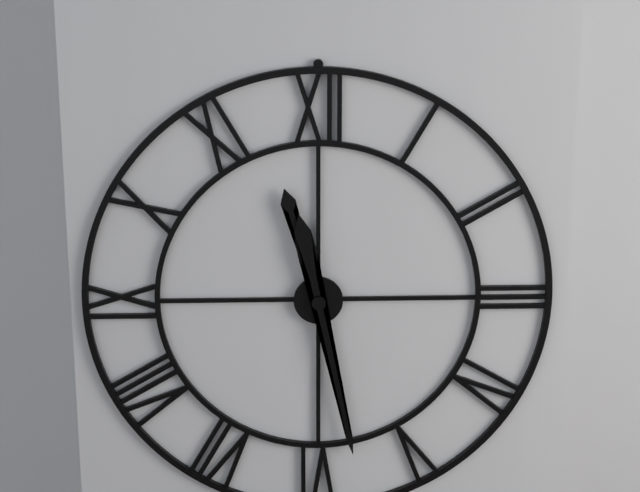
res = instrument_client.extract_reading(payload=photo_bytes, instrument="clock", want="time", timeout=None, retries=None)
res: 11:28
